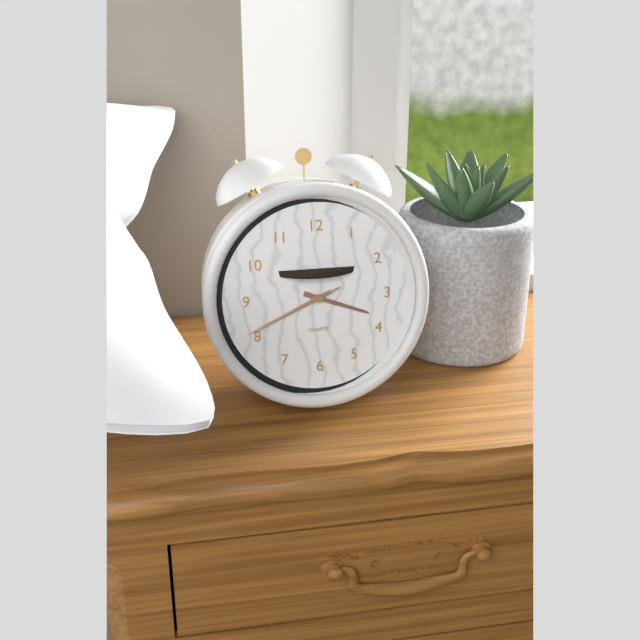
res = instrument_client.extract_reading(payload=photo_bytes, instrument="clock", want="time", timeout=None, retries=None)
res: 3:41:41
